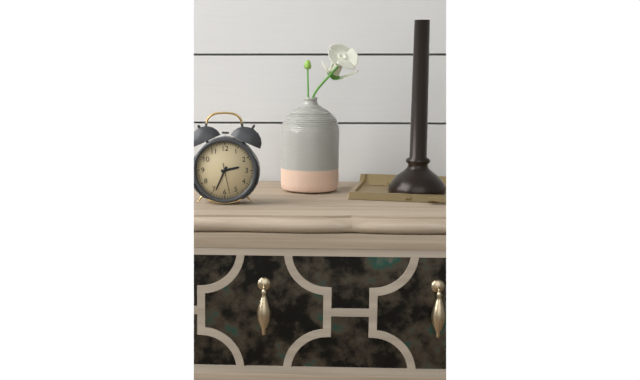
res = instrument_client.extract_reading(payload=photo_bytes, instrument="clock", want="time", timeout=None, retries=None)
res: 2:34
